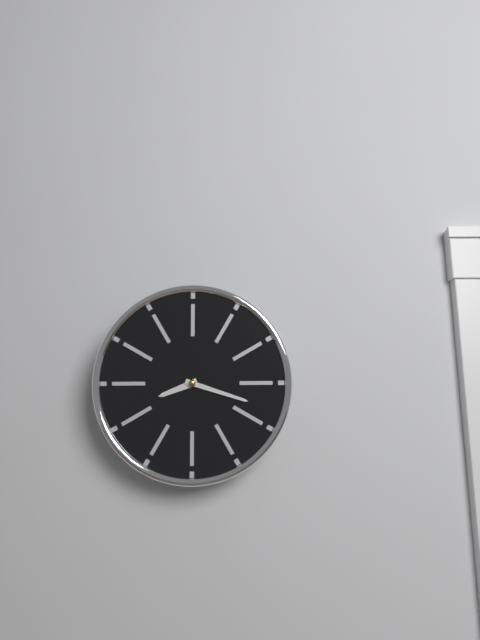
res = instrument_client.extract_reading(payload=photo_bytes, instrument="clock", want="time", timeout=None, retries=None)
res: 8:18
